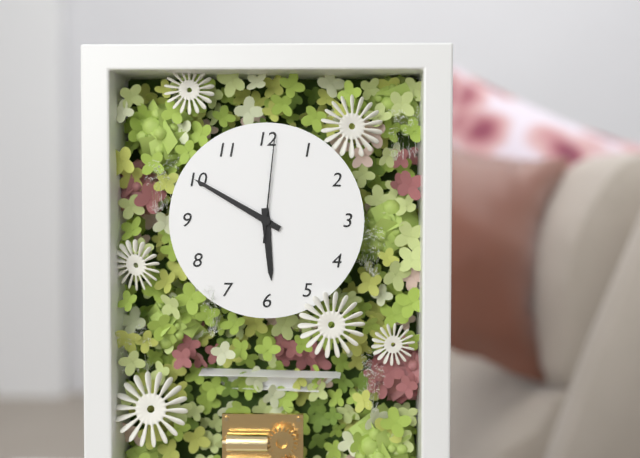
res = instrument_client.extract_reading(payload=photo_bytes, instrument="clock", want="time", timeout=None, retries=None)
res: 5:50:01
